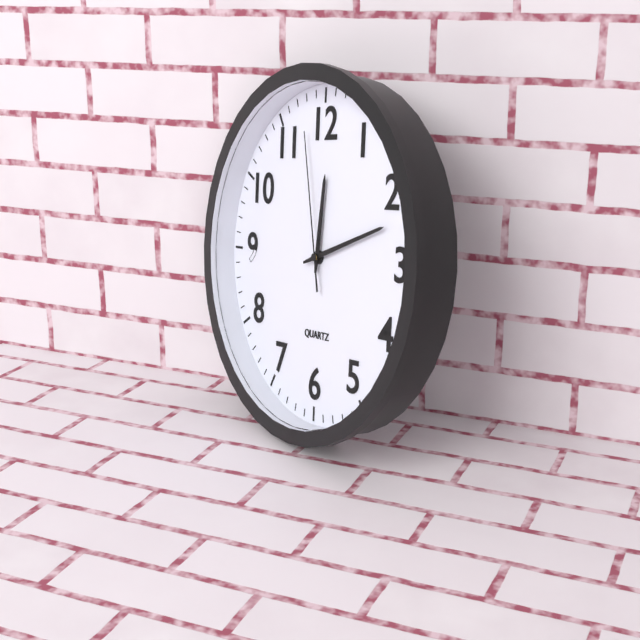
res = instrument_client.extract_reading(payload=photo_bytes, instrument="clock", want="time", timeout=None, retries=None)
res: 12:12:58
